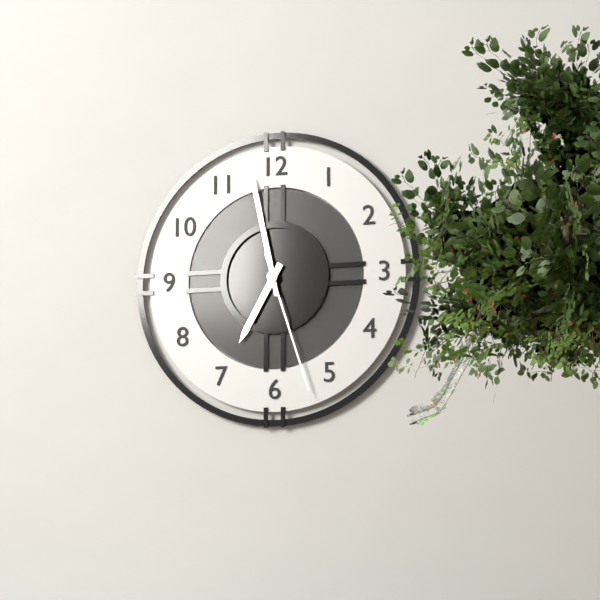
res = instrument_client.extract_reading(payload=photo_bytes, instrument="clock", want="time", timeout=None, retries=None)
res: 6:58:27
